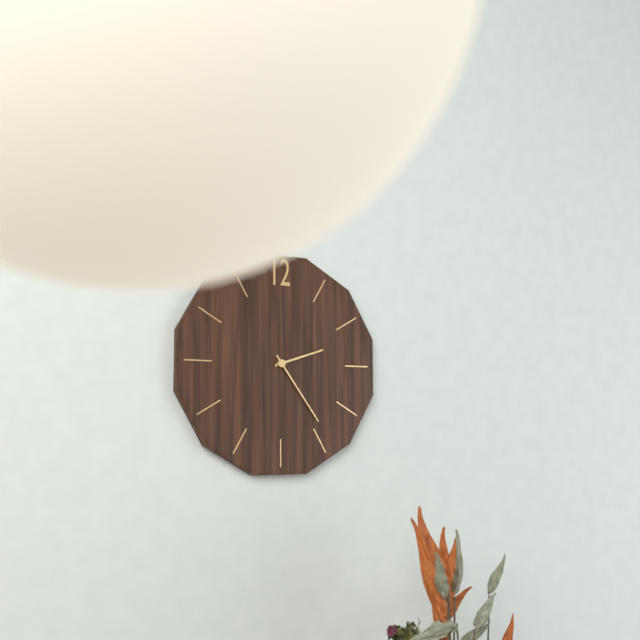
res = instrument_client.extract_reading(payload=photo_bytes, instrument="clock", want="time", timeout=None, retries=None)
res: 2:24
